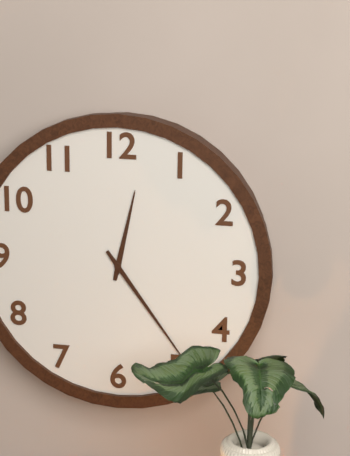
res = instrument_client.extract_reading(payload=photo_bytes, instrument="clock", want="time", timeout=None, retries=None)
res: 12:24
